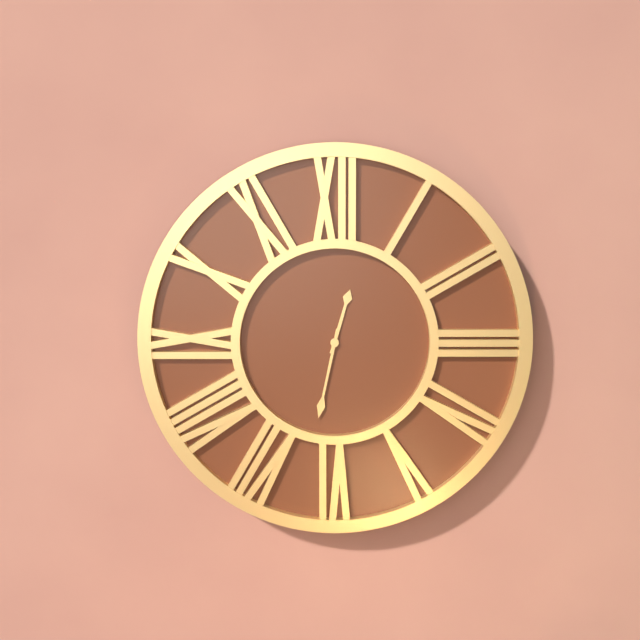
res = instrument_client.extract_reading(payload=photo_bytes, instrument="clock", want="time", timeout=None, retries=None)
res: 12:32
